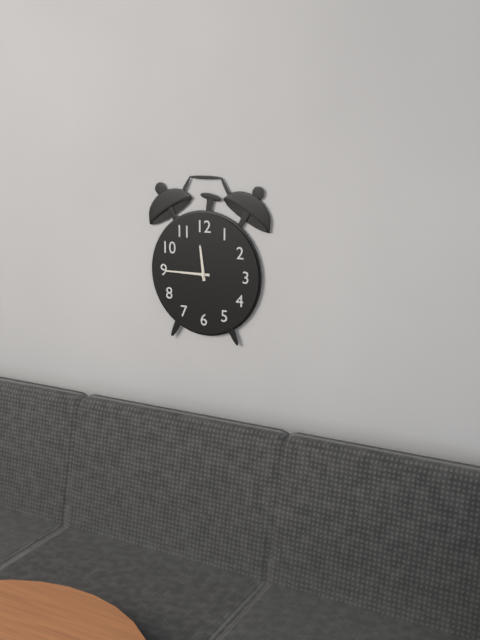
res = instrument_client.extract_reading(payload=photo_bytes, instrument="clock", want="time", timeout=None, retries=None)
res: 11:45
